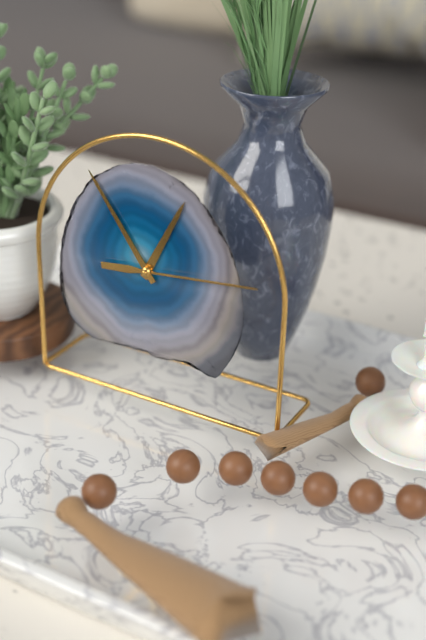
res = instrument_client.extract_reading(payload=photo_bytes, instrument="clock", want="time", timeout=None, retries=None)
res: 12:54:14
